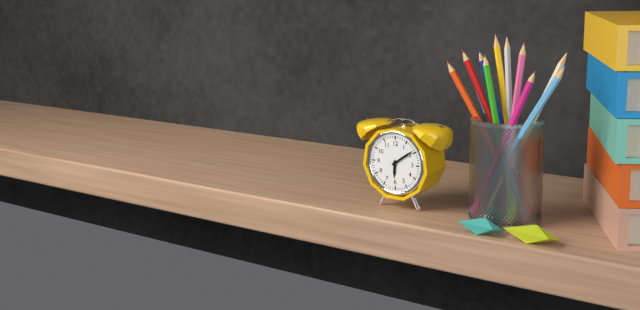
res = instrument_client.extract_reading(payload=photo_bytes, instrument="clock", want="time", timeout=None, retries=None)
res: 6:09
